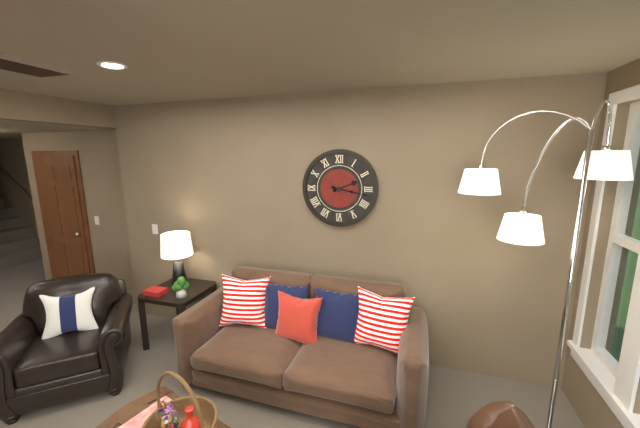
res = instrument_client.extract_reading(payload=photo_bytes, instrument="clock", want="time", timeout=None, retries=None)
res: 2:17
